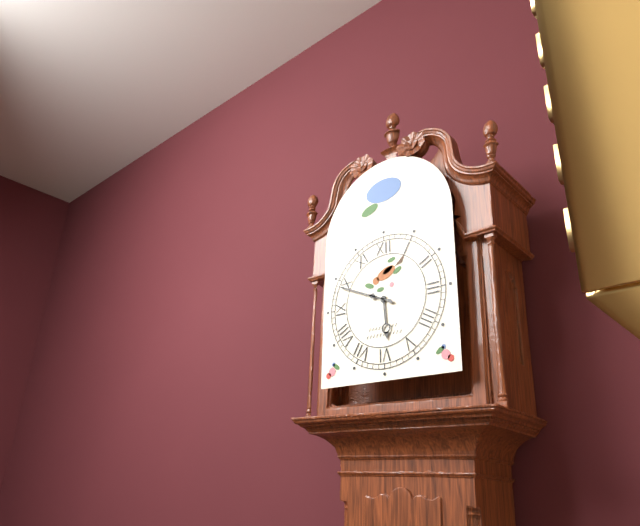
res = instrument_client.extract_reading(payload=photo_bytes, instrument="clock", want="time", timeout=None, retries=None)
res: 5:49
